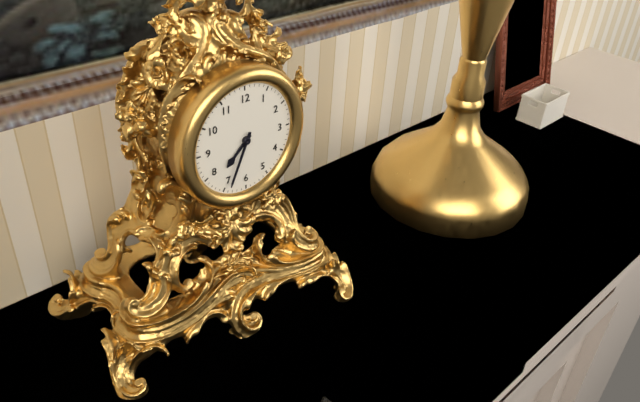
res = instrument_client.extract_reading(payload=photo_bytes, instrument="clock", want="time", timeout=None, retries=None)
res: 7:34
